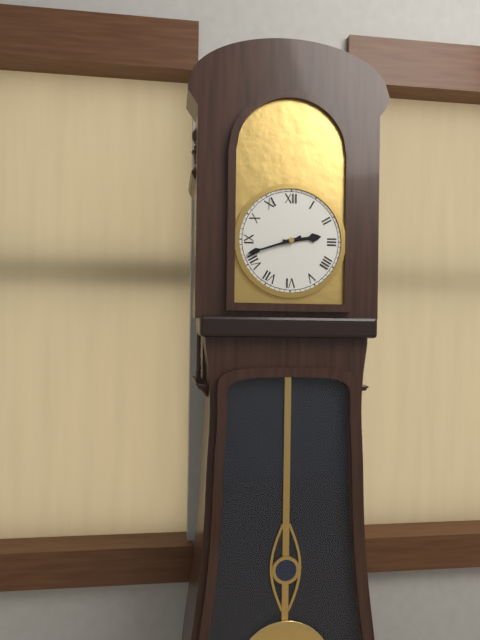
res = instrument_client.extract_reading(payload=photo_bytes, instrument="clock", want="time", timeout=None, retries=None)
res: 2:42
